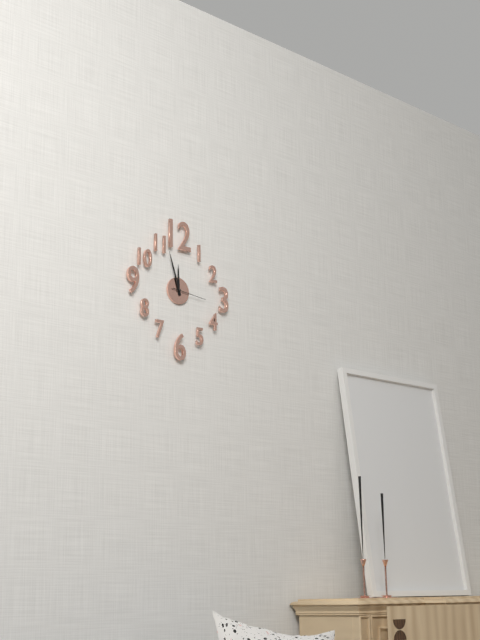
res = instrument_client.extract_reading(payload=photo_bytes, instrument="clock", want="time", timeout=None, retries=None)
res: 11:57
